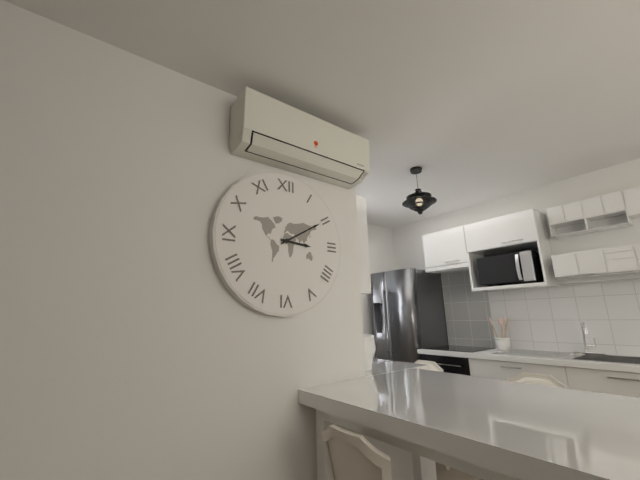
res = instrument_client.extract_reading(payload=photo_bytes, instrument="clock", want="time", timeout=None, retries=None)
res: 3:10
